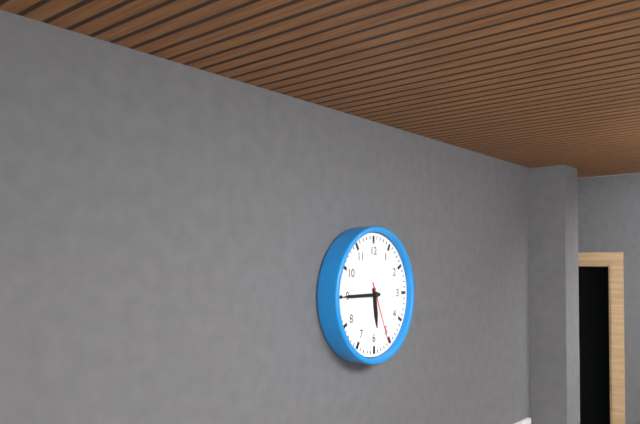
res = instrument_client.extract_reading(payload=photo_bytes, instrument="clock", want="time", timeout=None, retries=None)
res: 5:45:26
